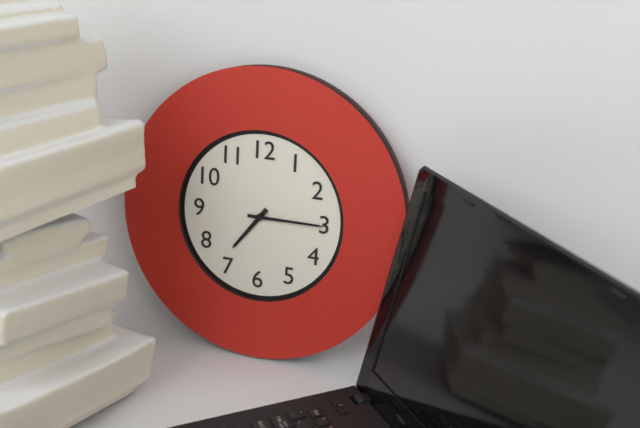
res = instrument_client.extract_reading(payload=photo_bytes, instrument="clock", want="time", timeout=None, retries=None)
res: 7:15
